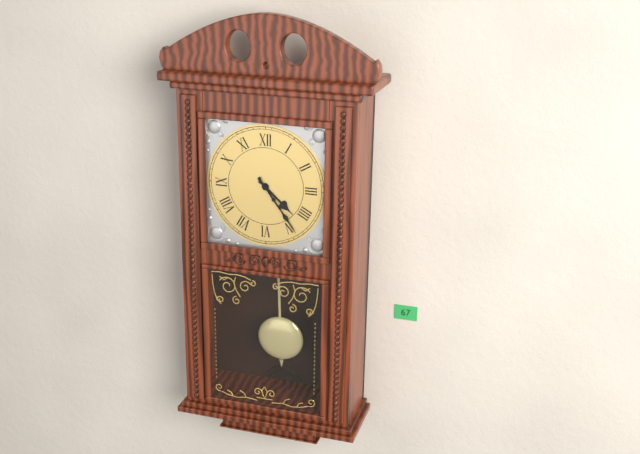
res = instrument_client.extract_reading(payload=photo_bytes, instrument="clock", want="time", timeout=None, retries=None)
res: 4:24
